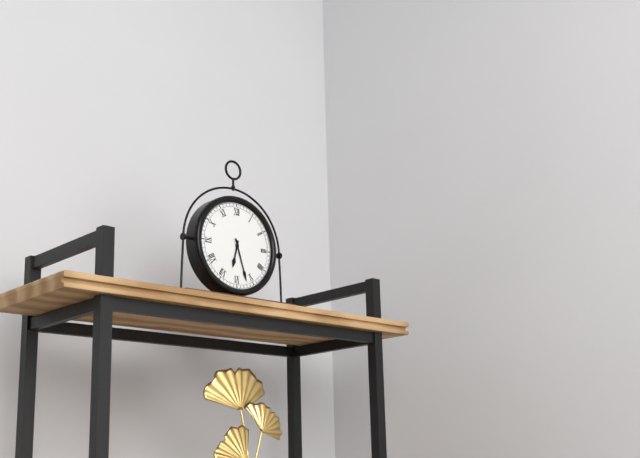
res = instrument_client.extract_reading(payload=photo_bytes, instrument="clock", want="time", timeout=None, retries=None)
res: 6:27
